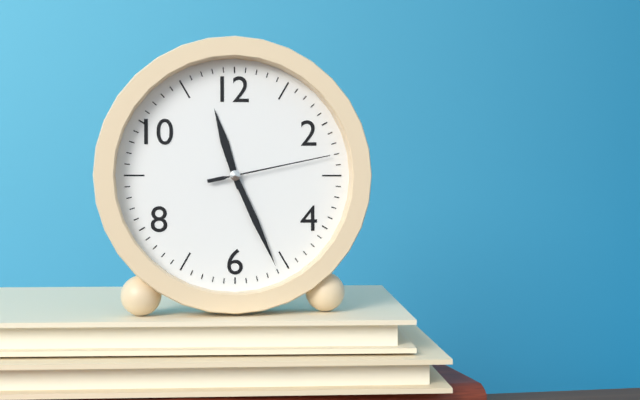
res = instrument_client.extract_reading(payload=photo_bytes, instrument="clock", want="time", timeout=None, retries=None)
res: 11:26:13
